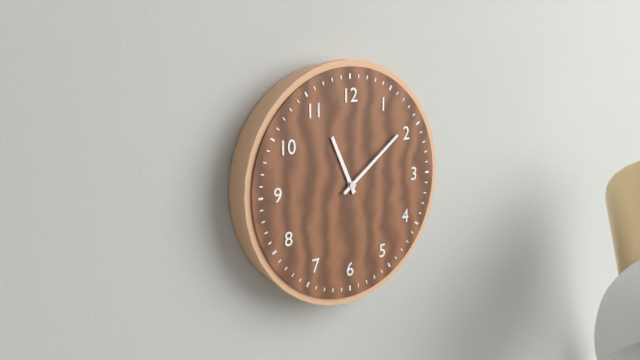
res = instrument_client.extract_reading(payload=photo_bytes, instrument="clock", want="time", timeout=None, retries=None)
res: 11:09
